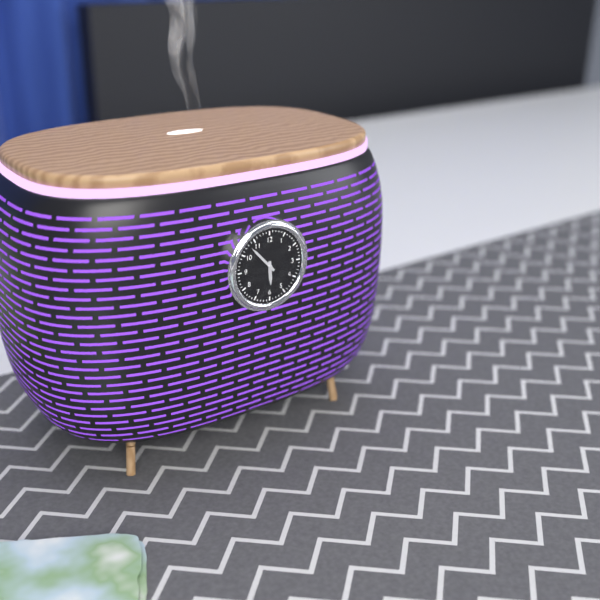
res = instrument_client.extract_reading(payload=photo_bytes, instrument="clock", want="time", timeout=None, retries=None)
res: 5:53
